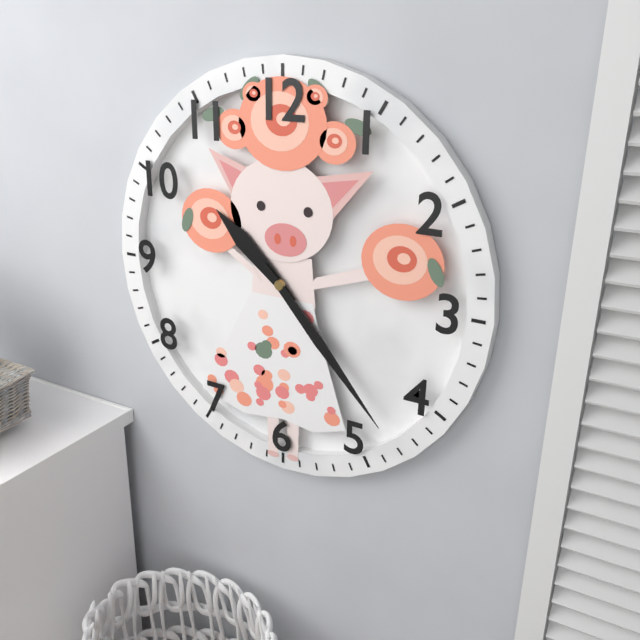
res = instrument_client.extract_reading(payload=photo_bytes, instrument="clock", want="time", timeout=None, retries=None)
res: 10:23
